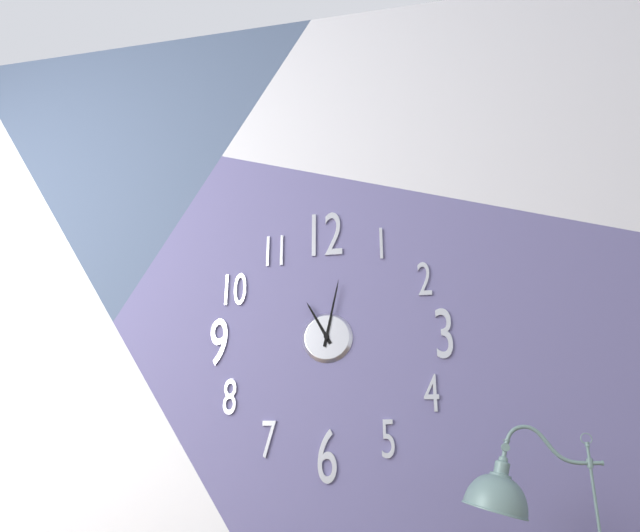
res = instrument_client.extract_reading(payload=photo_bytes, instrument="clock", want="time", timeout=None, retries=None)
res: 11:02
